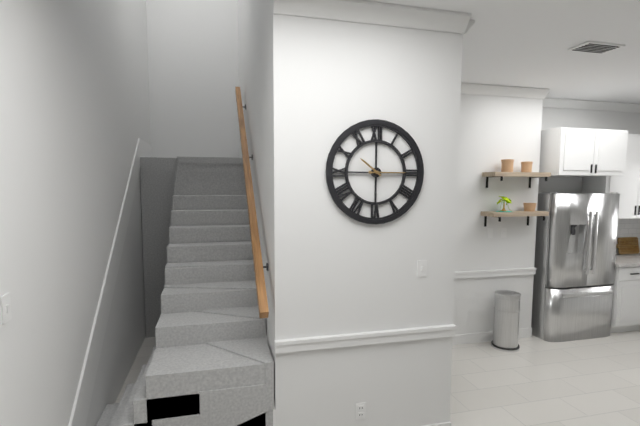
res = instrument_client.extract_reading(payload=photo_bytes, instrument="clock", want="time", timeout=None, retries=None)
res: 10:15
